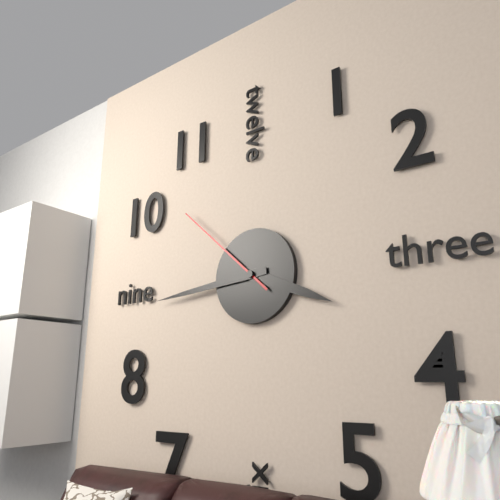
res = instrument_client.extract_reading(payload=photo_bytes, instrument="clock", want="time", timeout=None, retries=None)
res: 3:44:52
